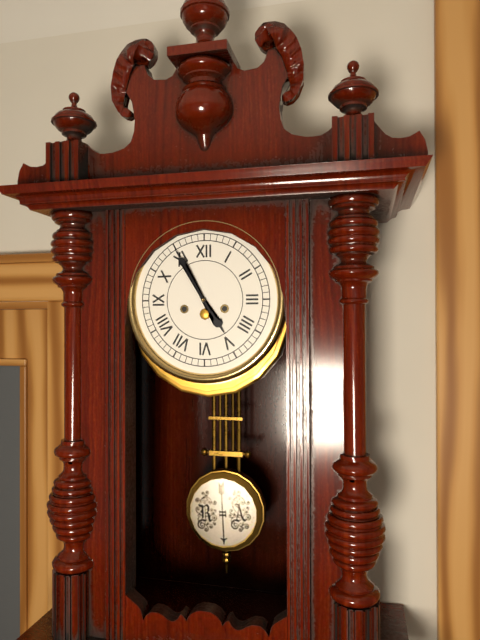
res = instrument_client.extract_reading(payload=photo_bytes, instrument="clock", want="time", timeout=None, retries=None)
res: 4:55
